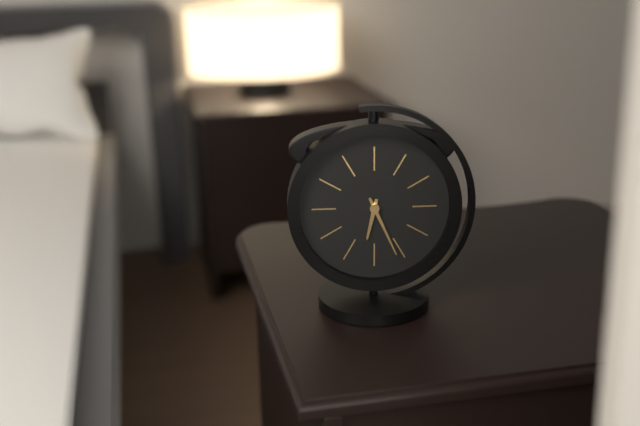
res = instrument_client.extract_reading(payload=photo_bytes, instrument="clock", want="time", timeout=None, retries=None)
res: 6:26
